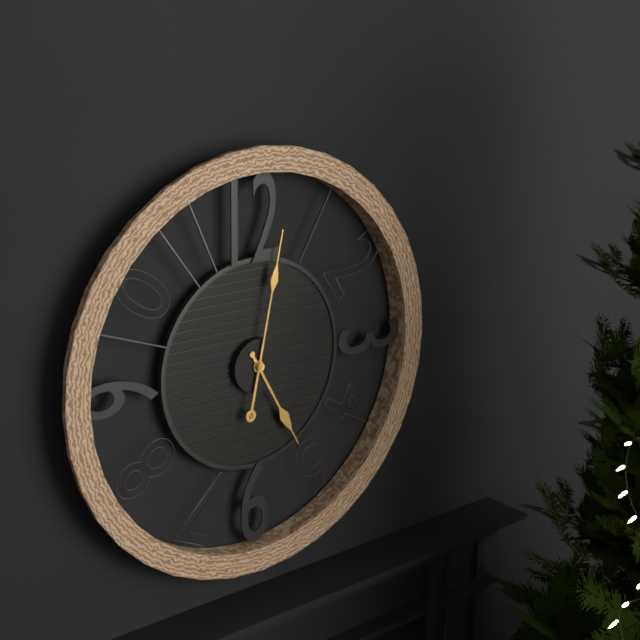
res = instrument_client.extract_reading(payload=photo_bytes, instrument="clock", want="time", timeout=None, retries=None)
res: 5:02
